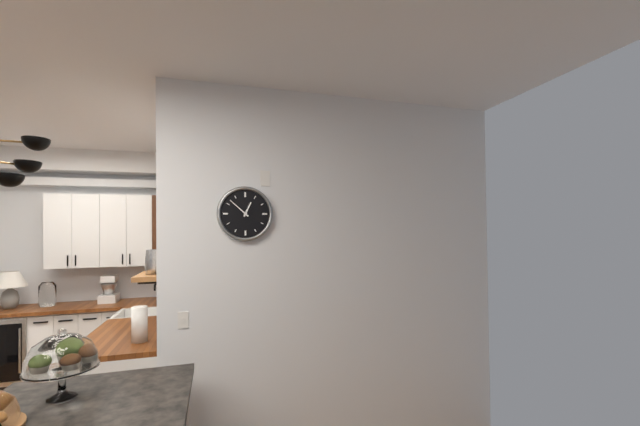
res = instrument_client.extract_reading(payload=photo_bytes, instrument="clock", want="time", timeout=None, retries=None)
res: 12:52
